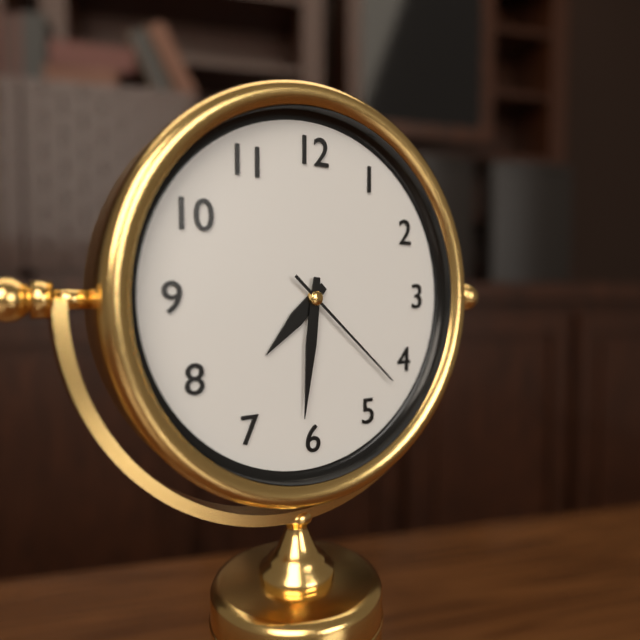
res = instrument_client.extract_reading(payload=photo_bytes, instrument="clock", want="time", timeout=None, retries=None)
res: 7:31:22
